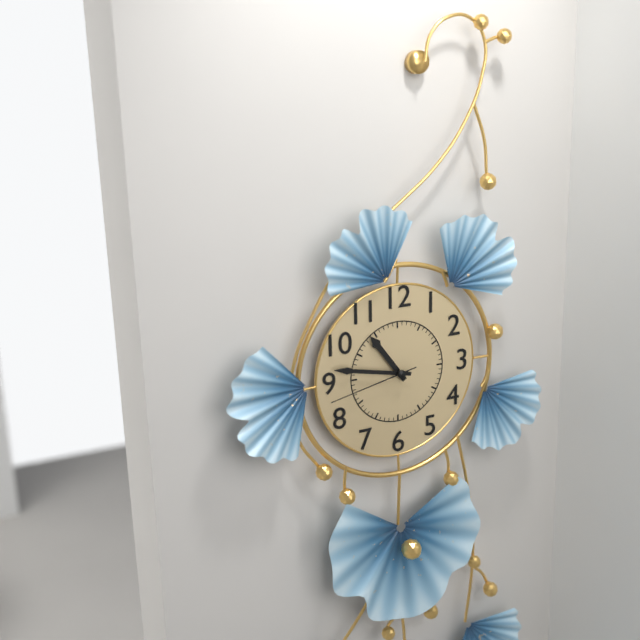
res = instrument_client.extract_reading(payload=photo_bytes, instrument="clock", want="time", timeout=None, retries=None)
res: 10:47:43
